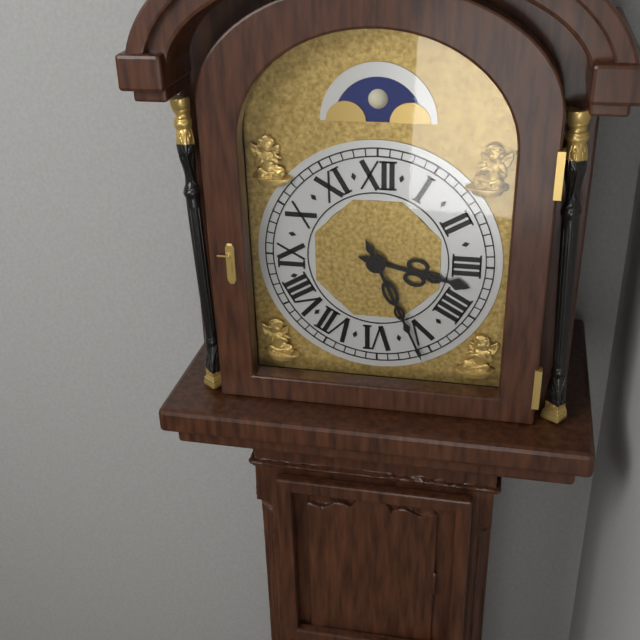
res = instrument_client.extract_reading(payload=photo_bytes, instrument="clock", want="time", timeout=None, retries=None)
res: 3:26
